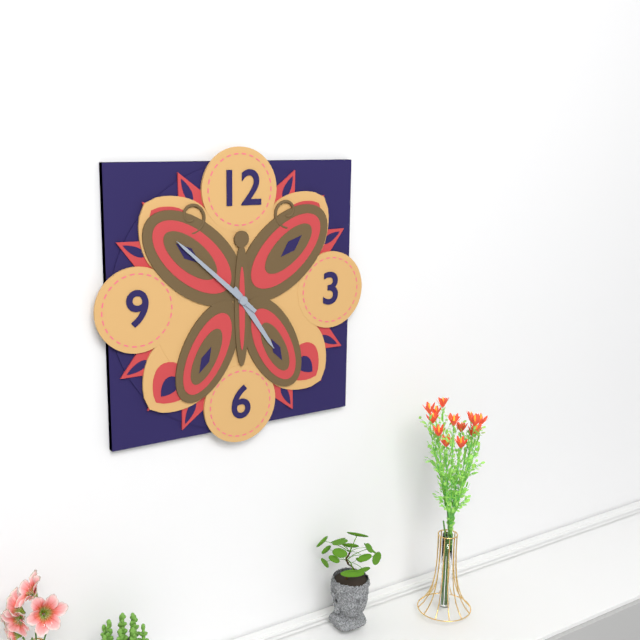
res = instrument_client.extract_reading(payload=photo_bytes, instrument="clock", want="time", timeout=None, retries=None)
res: 4:52
